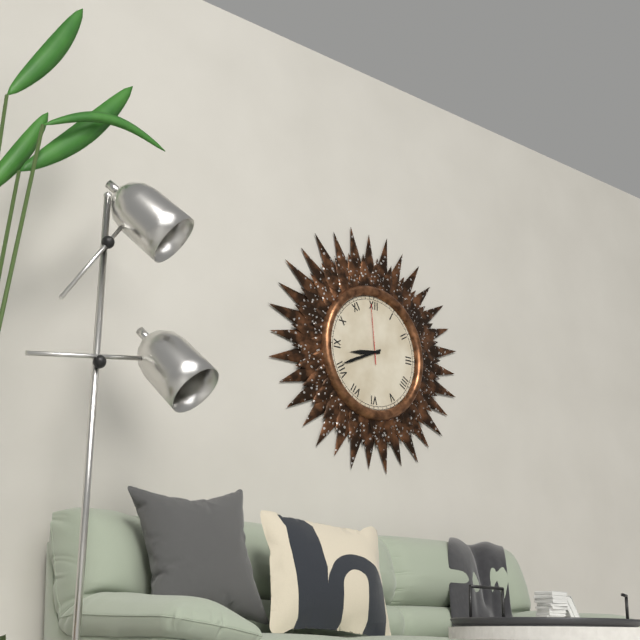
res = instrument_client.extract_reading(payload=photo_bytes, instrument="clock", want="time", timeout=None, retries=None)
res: 8:41:59
